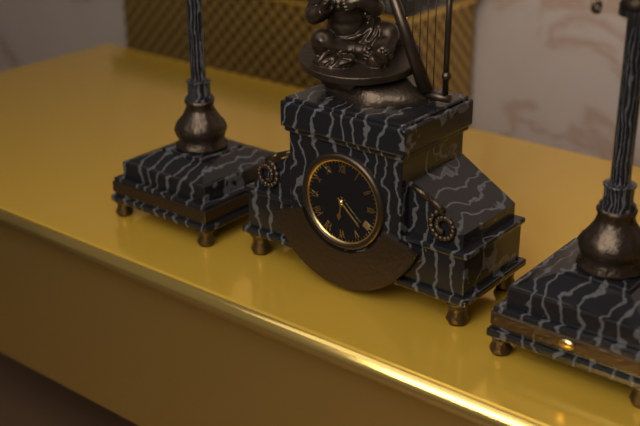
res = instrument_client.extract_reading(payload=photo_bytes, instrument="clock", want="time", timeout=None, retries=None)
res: 6:22
